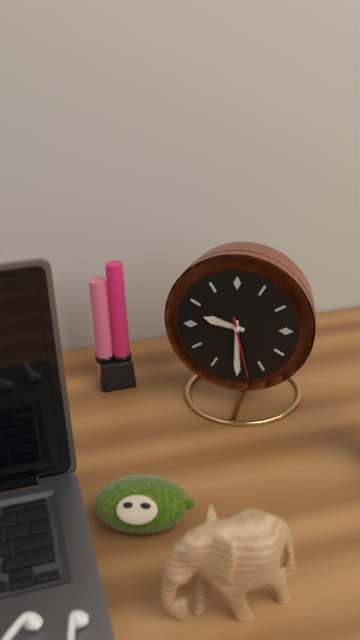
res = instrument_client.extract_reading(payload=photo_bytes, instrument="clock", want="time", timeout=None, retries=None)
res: 9:30:28
